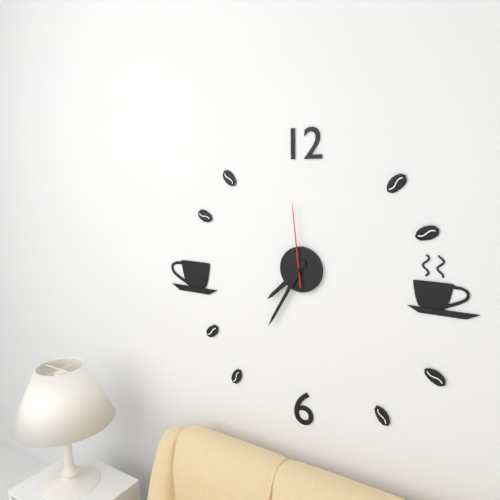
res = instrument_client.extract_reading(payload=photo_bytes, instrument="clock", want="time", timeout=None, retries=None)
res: 7:35:59
